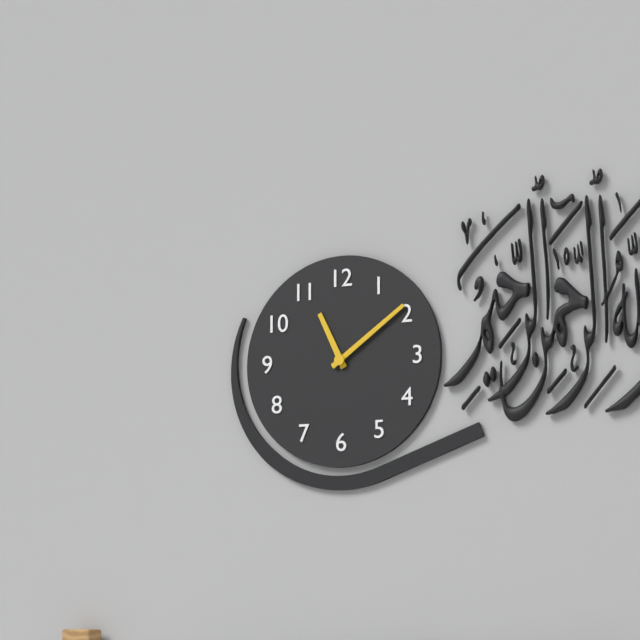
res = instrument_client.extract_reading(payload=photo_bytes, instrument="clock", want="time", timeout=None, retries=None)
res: 11:09
